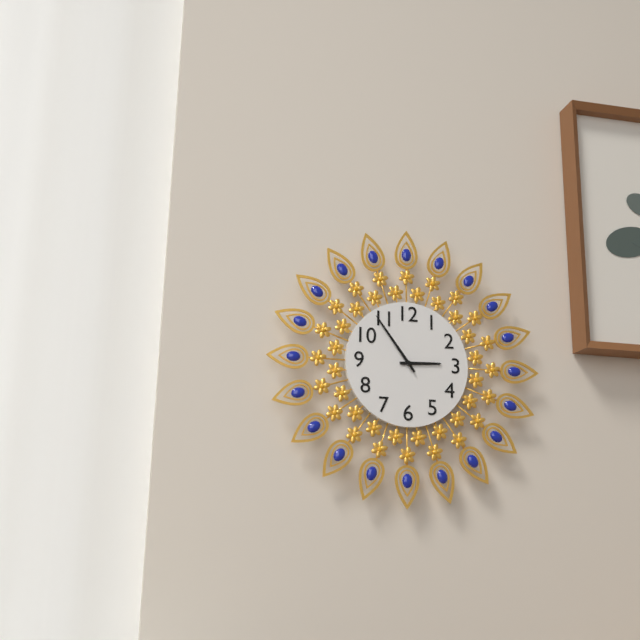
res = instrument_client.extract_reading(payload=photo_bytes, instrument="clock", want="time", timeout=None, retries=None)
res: 2:54
